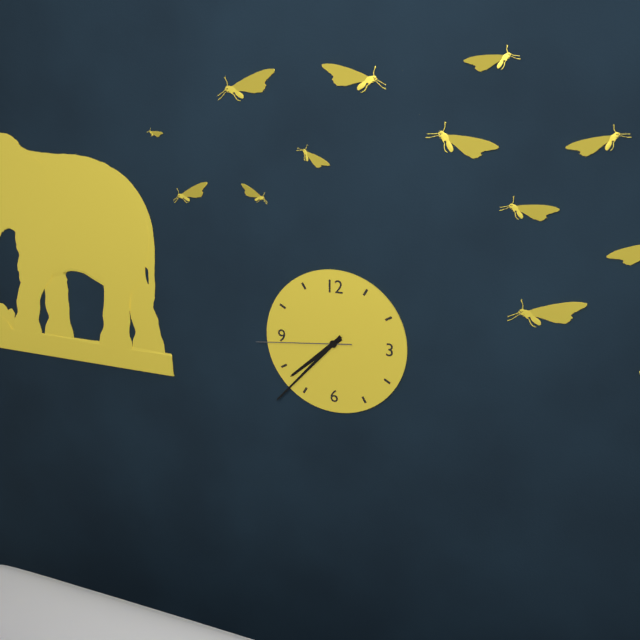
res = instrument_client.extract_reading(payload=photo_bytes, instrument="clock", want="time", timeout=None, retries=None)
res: 7:37:44
